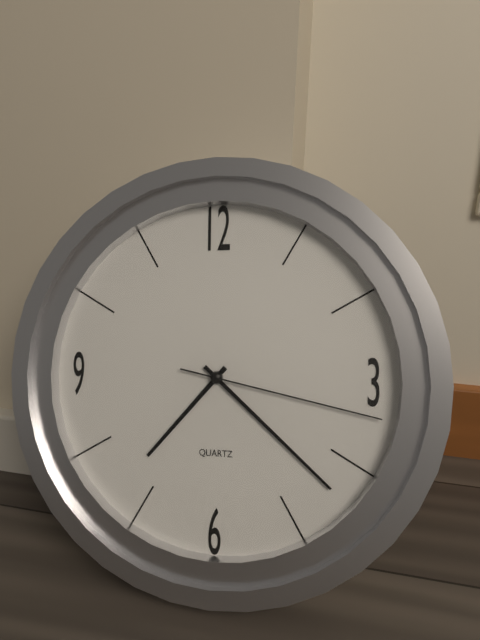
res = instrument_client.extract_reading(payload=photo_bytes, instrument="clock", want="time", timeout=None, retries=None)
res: 7:22:17
